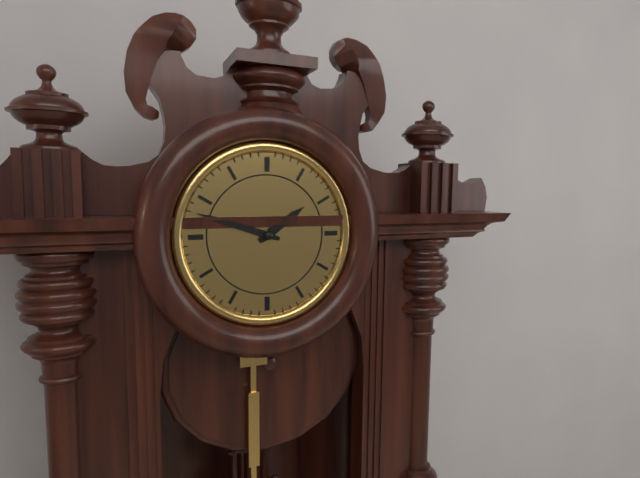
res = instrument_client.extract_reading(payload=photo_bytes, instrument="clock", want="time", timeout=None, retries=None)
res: 1:48
